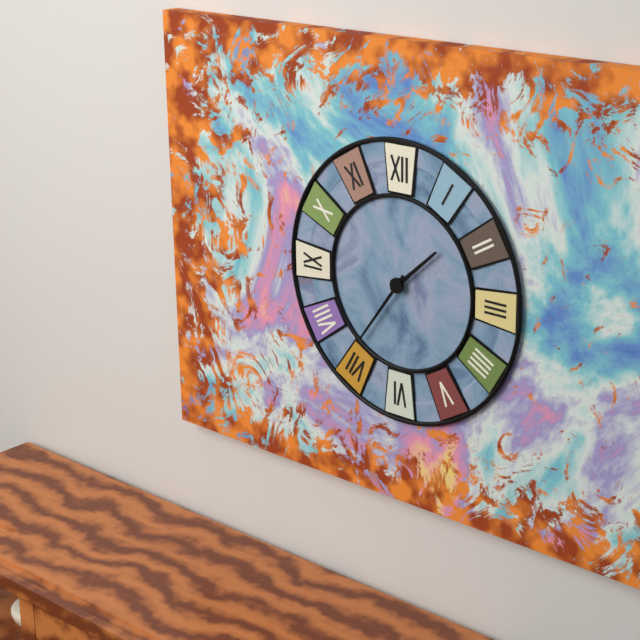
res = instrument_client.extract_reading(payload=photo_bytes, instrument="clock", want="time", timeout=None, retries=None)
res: 1:36
